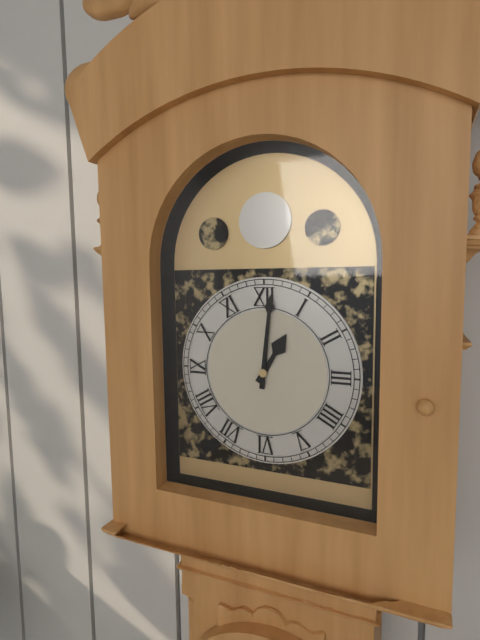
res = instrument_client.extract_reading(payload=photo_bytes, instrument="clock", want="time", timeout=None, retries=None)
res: 1:01
